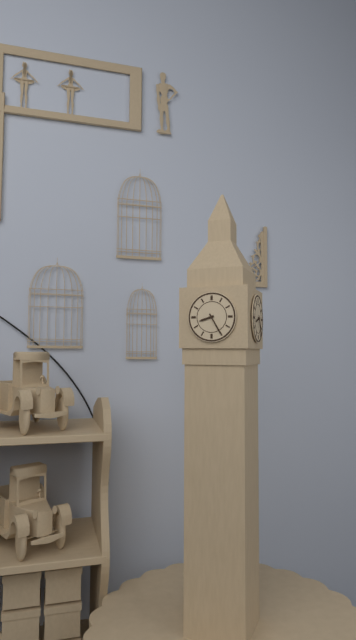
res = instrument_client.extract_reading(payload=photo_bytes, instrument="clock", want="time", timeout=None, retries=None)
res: 8:25
